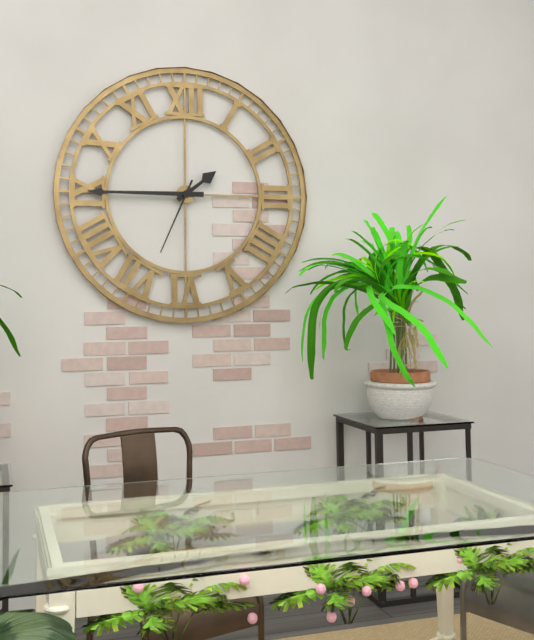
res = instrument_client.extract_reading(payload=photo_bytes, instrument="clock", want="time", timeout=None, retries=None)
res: 1:45:34
